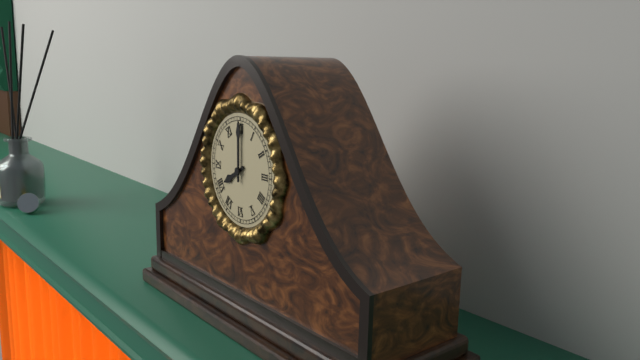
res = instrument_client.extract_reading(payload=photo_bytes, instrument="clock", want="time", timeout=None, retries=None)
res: 8:00
